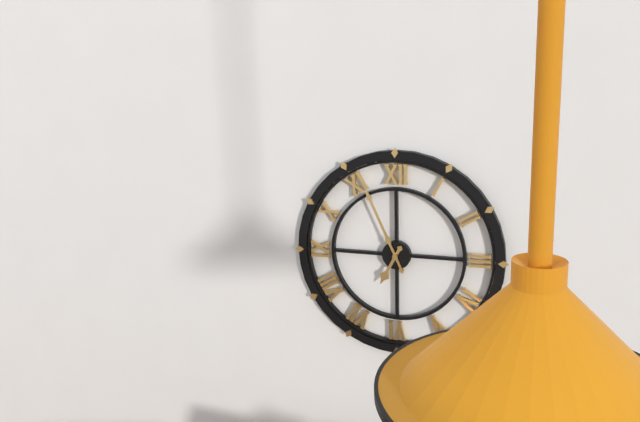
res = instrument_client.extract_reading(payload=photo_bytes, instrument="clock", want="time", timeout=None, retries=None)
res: 6:56
